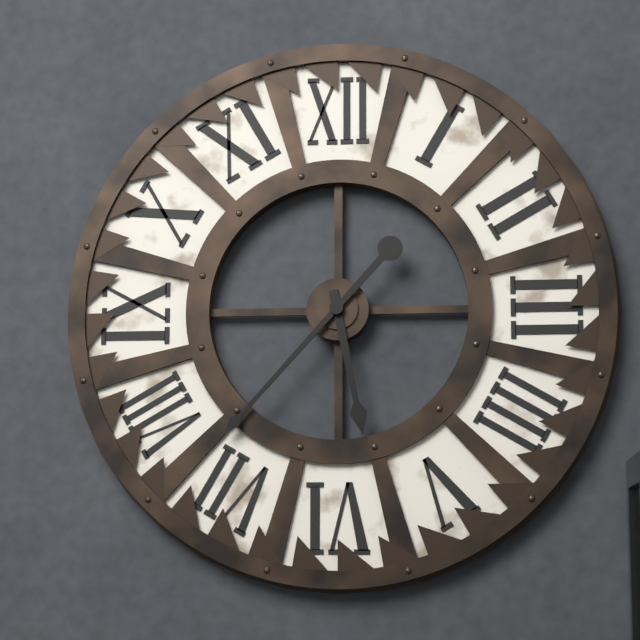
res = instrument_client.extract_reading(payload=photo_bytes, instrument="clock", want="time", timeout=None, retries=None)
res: 5:37
